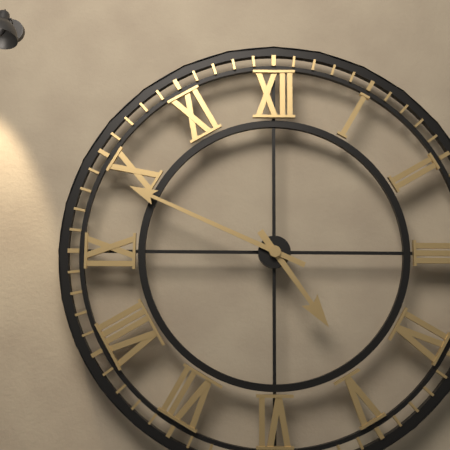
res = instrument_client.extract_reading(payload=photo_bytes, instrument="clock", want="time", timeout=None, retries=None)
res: 4:49
